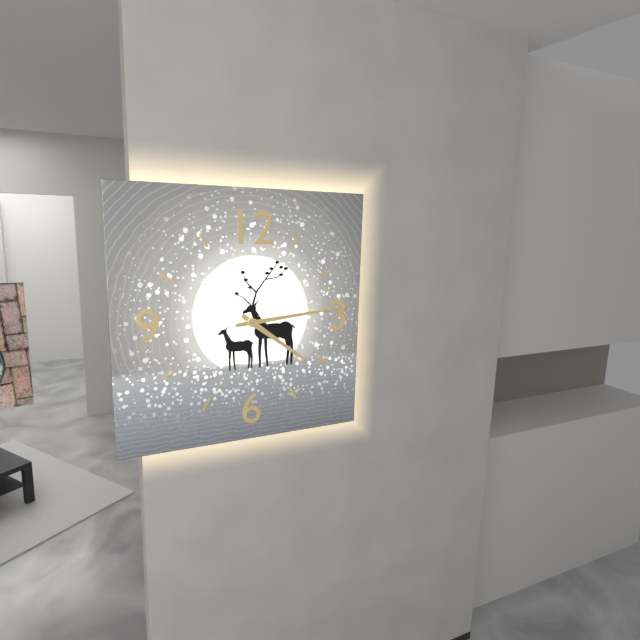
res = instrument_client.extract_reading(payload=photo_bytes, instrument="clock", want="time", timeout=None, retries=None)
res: 4:14
